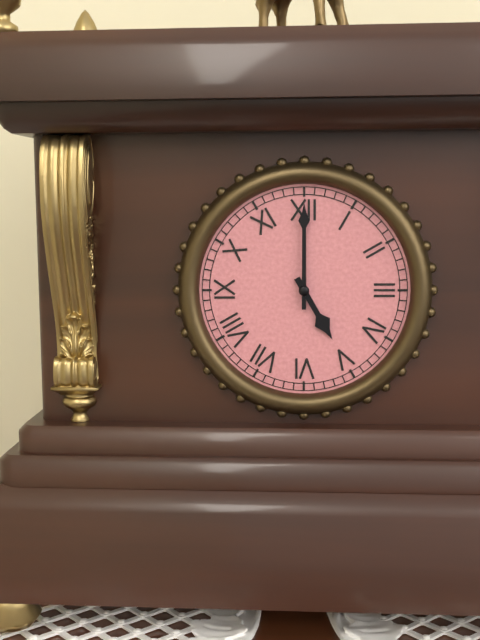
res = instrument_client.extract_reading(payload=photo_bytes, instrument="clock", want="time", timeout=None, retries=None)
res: 5:00
